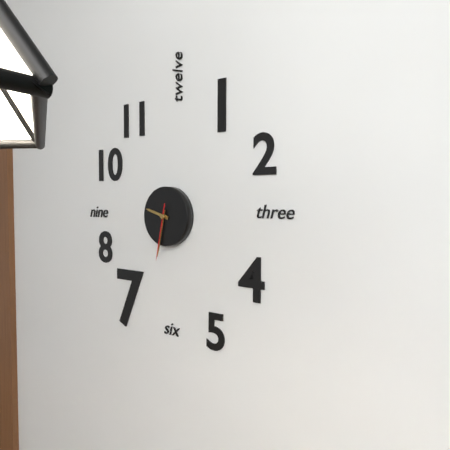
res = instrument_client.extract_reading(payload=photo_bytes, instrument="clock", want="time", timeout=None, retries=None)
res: 9:32:32
